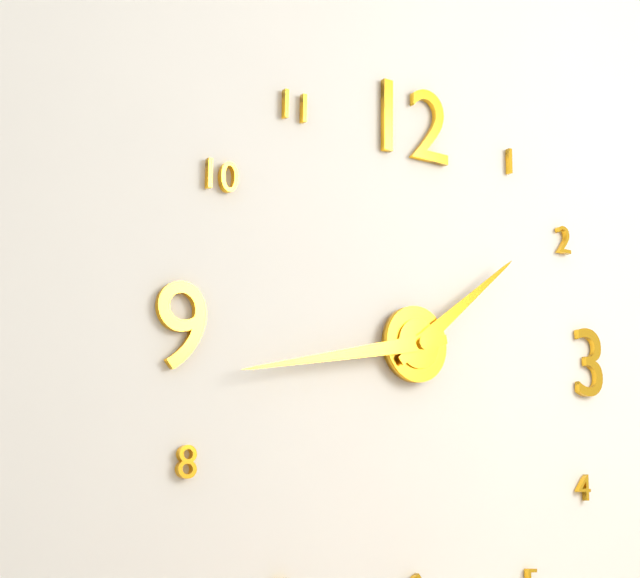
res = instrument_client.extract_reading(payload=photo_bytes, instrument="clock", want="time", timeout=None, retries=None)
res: 1:43
